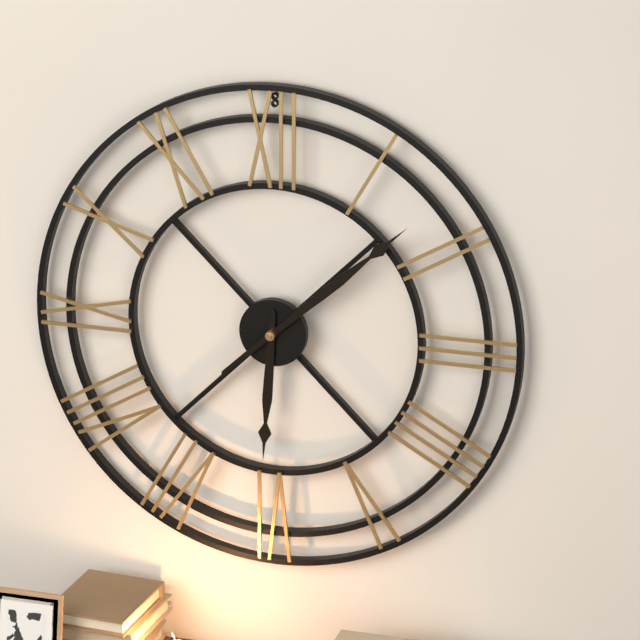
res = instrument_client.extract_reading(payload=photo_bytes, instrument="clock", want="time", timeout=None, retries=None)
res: 6:08
